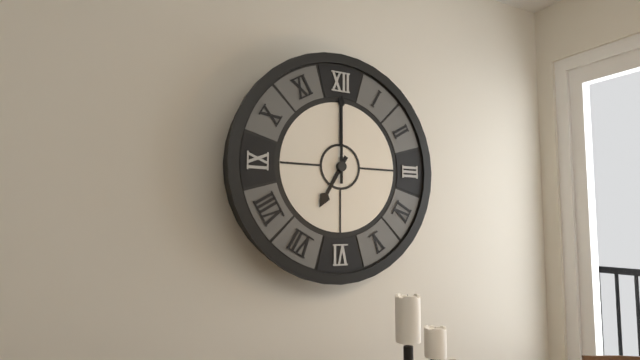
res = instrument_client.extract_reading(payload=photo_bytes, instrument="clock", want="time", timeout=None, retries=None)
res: 7:00
